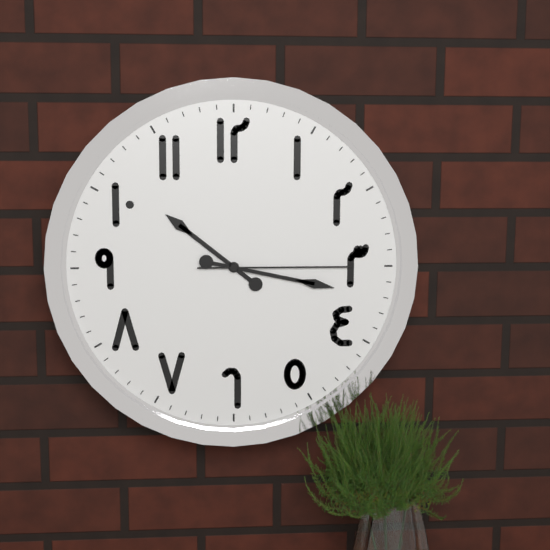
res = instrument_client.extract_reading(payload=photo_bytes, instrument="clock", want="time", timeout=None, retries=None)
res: 10:17:15
